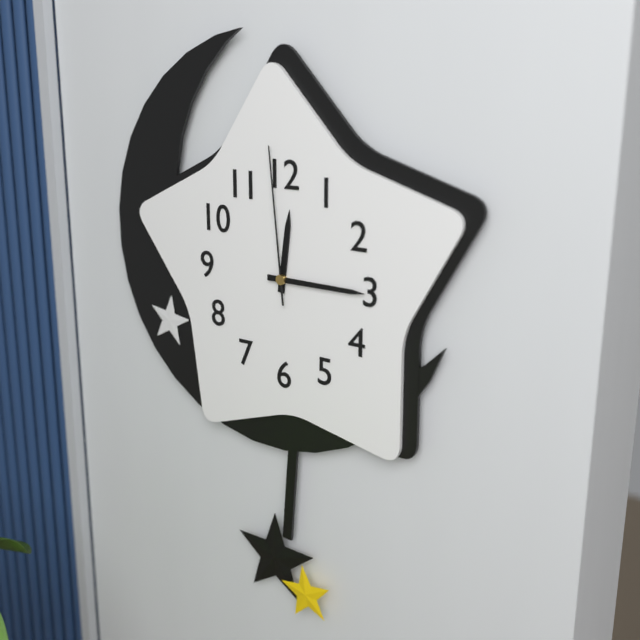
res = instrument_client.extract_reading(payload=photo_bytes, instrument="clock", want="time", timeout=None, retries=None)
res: 12:15:59
